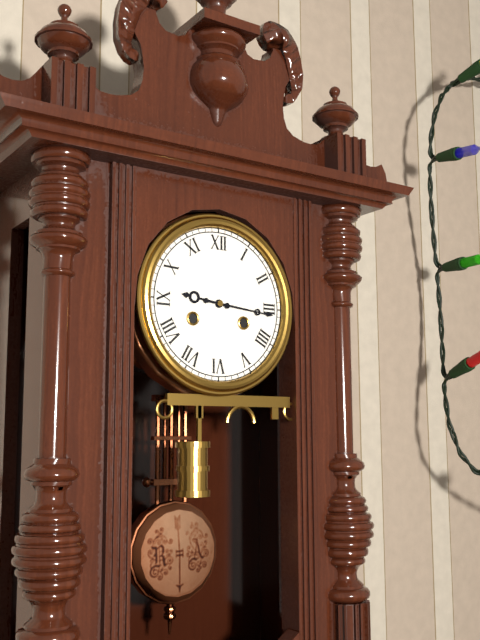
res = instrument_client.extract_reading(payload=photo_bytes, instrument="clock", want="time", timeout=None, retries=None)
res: 9:16
